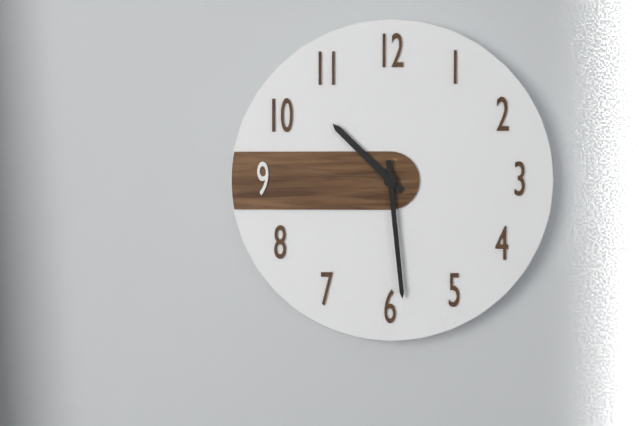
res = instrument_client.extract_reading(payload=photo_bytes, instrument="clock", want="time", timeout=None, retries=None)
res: 10:29
